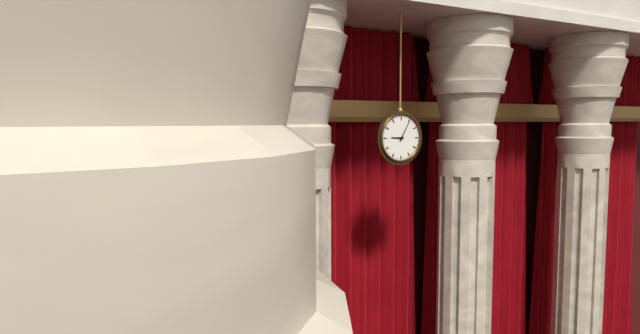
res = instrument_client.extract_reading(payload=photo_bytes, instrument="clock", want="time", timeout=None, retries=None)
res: 9:05
